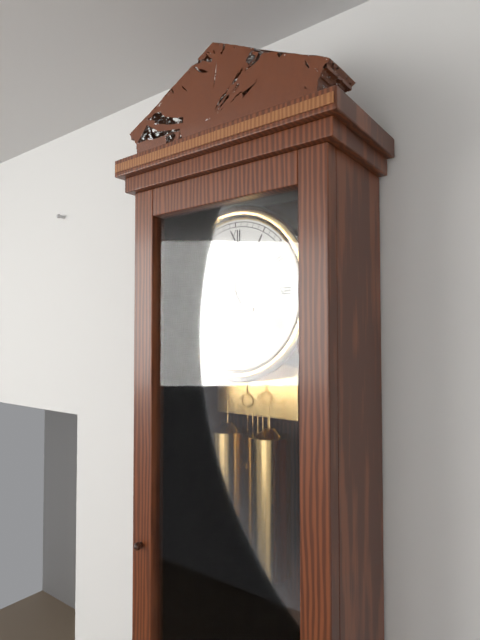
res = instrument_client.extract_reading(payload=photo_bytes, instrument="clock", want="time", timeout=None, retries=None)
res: 11:54
